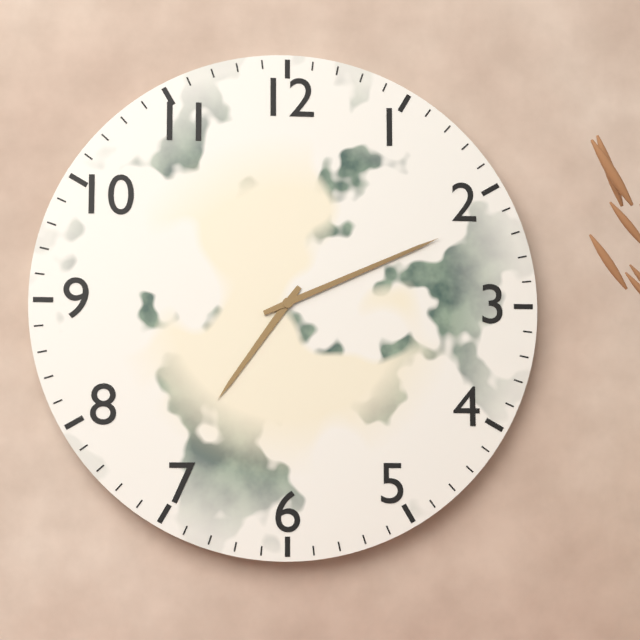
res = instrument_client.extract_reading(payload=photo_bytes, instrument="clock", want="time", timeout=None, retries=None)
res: 7:11
